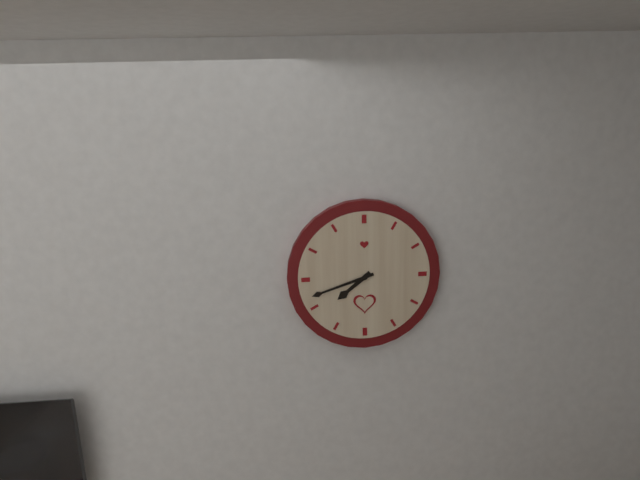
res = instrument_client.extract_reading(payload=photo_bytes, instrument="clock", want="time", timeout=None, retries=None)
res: 7:42
